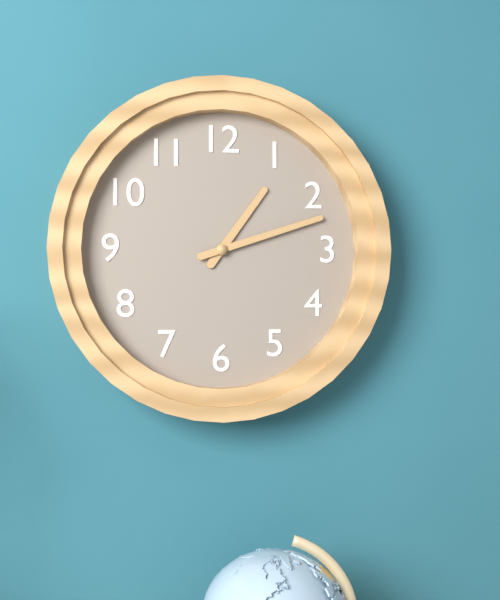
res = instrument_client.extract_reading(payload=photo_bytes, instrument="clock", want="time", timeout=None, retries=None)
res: 1:12
